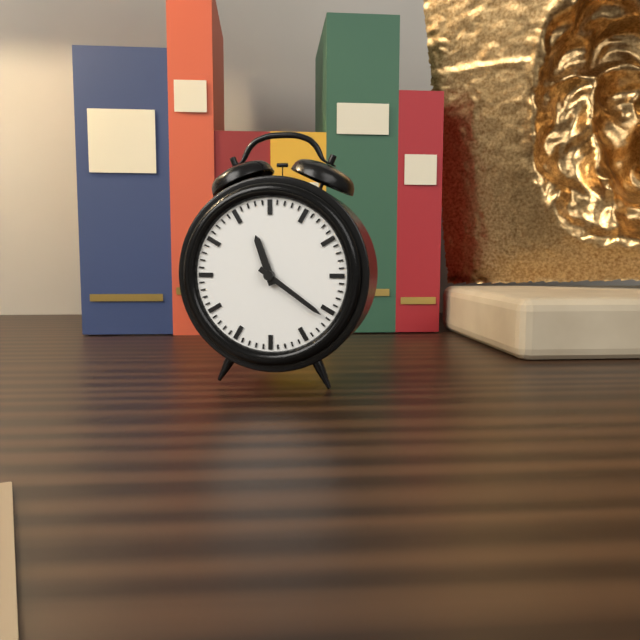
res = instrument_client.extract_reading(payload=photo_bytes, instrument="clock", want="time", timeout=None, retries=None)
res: 11:21
